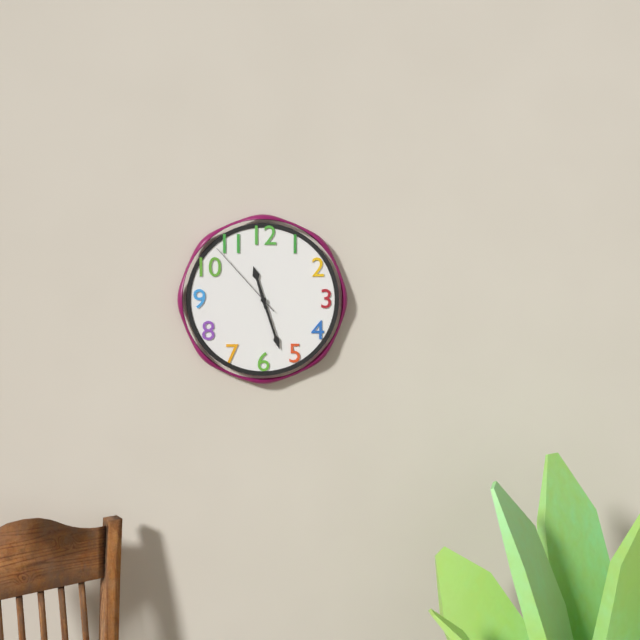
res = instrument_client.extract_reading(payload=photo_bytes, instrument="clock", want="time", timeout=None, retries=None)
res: 11:27:53
